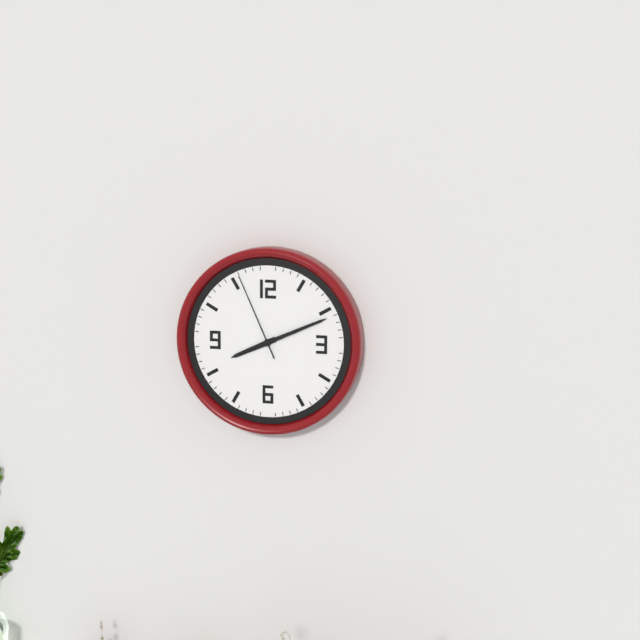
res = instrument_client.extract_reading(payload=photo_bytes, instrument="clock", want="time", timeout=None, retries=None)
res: 8:11:56
